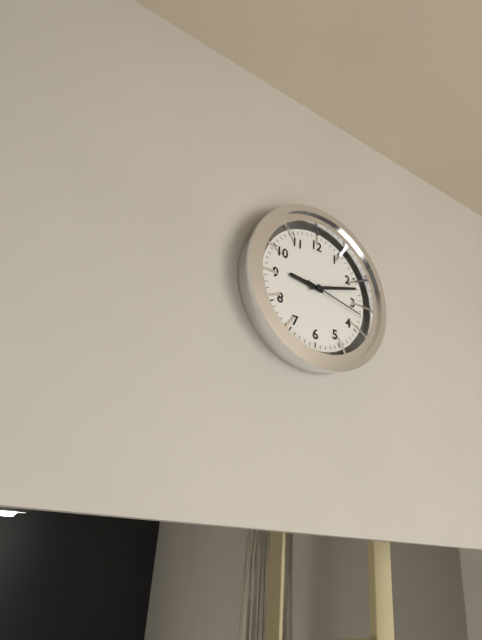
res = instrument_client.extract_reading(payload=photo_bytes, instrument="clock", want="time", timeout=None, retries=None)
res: 9:12:17
